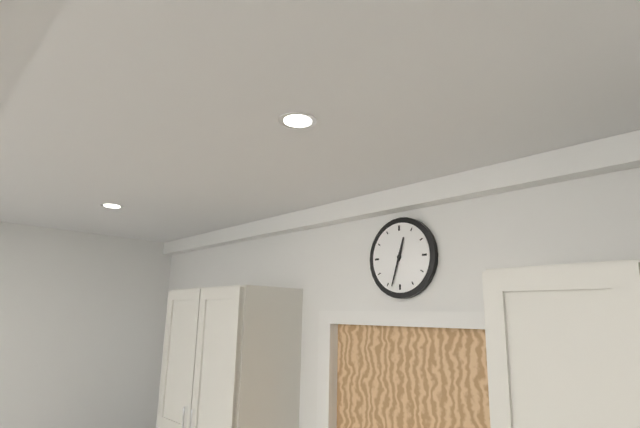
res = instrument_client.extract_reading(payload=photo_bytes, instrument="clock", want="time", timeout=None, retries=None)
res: 12:33
